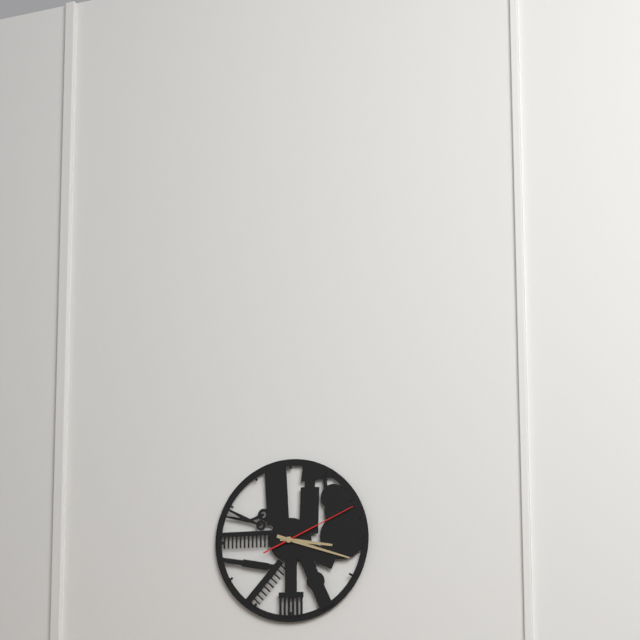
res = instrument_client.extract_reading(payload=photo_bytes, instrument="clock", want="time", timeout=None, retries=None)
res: 3:18:11
